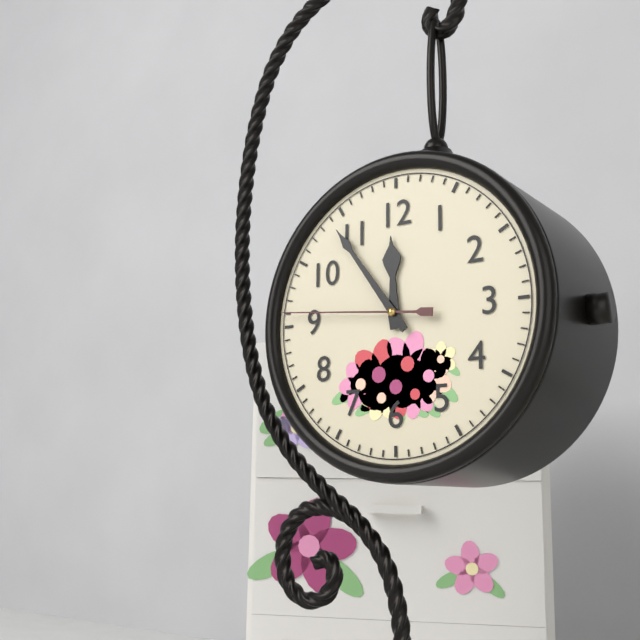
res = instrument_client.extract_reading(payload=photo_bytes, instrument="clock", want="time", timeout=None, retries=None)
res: 11:54:46
